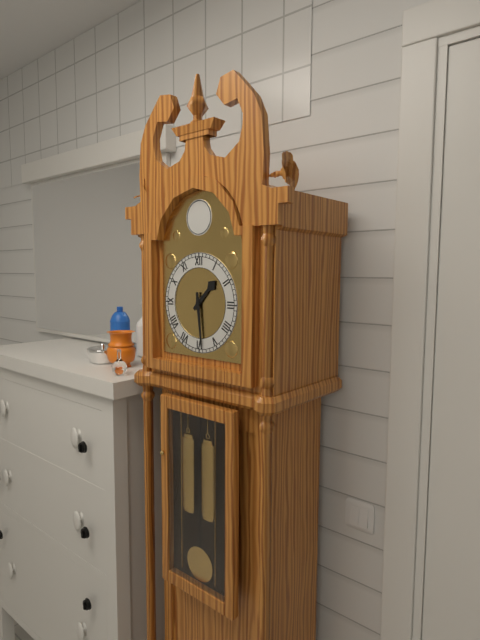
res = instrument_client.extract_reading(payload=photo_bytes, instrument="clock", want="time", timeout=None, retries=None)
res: 1:29
